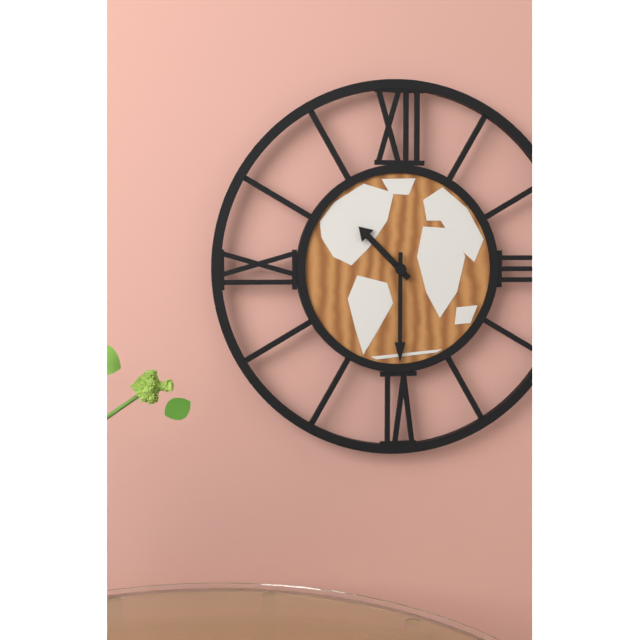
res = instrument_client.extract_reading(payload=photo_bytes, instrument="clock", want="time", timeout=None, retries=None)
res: 10:30
